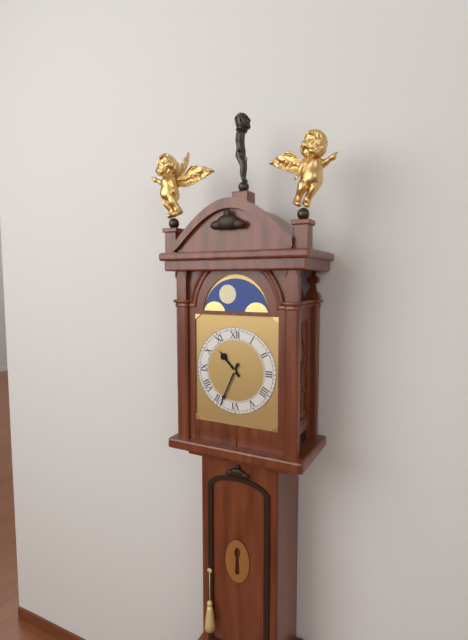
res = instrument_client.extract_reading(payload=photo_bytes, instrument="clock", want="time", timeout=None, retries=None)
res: 10:34
